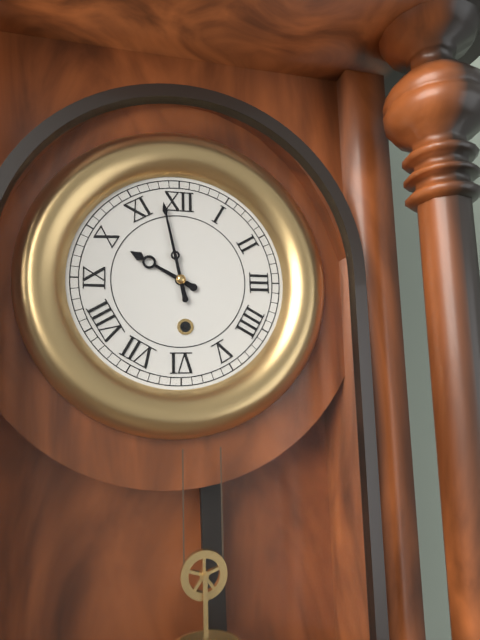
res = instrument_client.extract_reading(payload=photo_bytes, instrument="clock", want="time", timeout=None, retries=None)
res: 9:58
